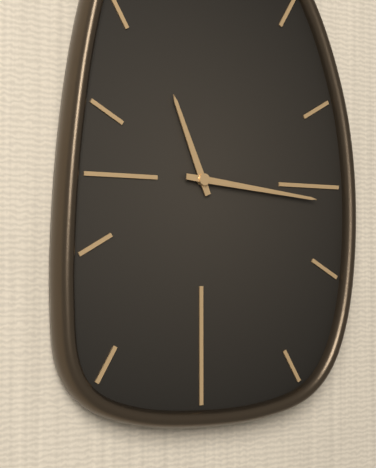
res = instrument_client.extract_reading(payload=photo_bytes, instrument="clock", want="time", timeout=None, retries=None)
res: 11:16
